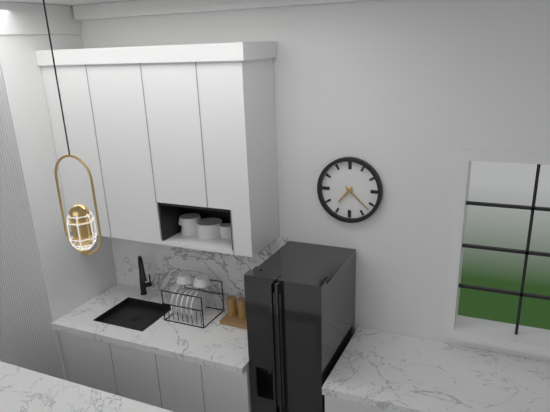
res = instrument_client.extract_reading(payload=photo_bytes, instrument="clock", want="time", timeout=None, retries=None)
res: 7:22
